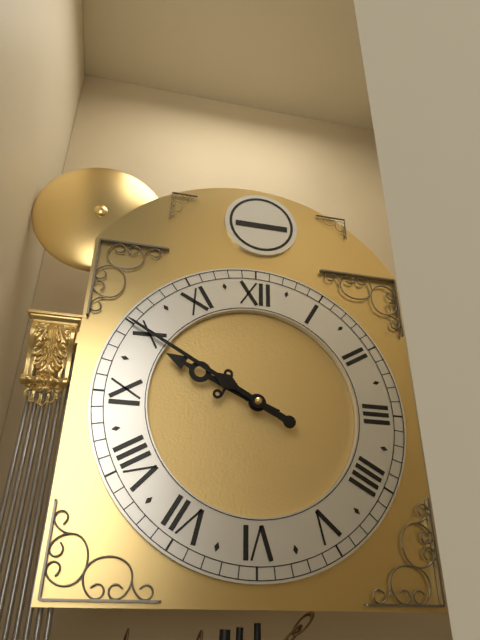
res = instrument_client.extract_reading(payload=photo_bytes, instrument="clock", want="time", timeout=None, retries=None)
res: 9:50
